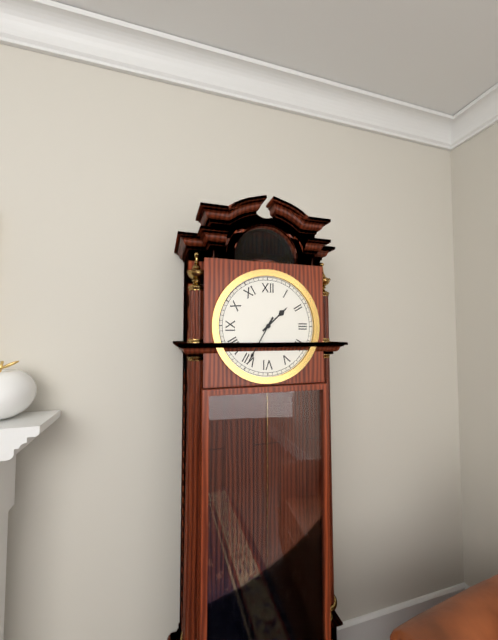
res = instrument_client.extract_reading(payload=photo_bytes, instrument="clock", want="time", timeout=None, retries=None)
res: 1:35
